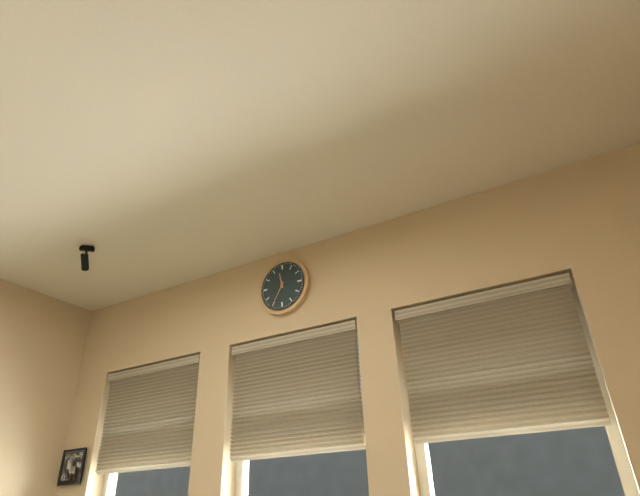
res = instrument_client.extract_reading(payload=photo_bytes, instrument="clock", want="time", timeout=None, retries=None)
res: 11:35
